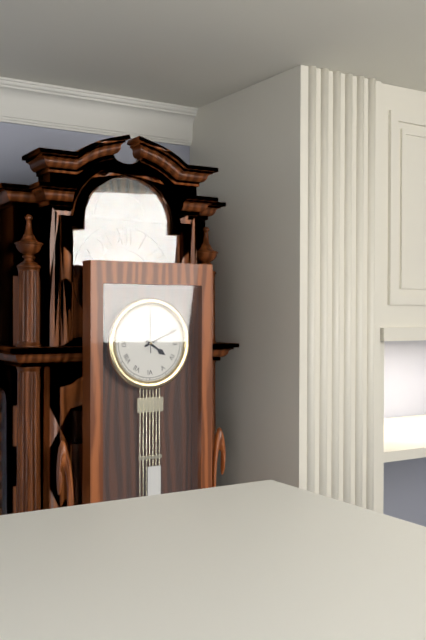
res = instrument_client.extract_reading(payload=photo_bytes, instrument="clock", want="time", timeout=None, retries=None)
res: 4:11
